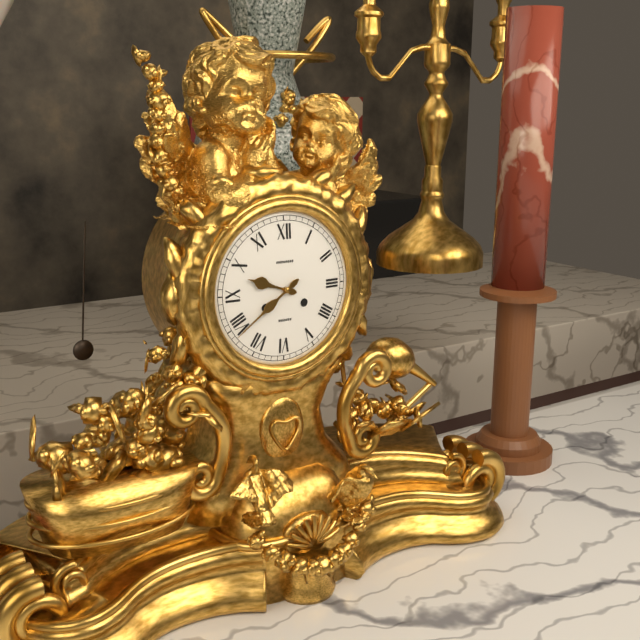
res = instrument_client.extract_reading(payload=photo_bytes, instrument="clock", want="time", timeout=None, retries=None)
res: 9:39
